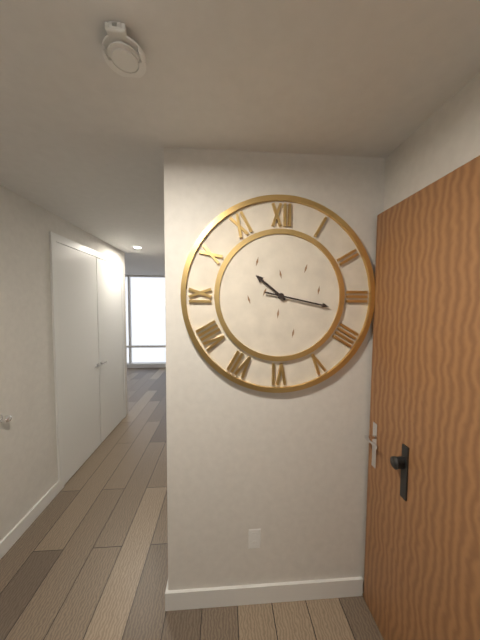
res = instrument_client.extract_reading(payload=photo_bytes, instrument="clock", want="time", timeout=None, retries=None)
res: 10:17
